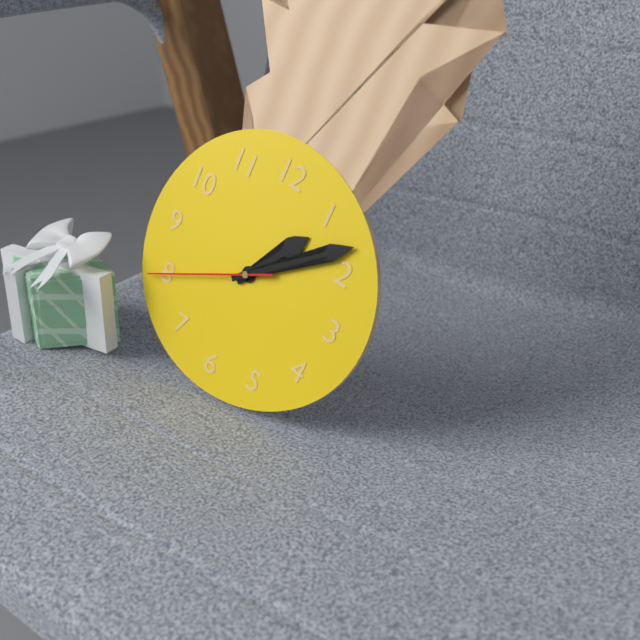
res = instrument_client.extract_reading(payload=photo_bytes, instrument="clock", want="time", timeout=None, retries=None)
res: 1:08:40
